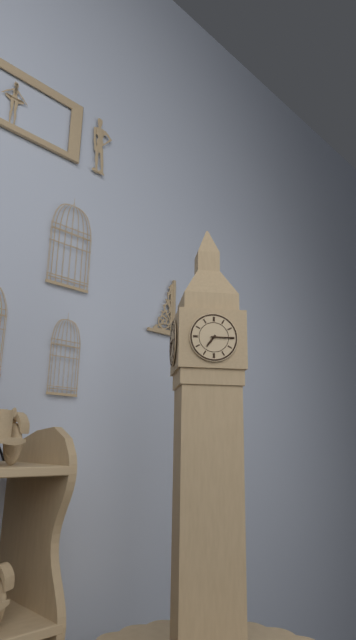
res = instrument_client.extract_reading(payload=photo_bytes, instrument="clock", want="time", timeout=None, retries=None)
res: 7:15
